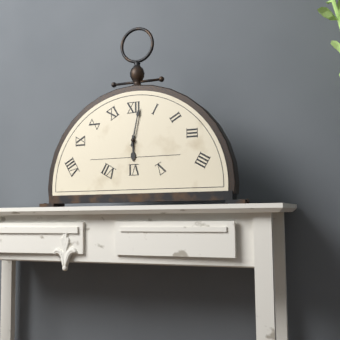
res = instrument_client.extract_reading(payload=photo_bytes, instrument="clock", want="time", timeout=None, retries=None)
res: 6:02
